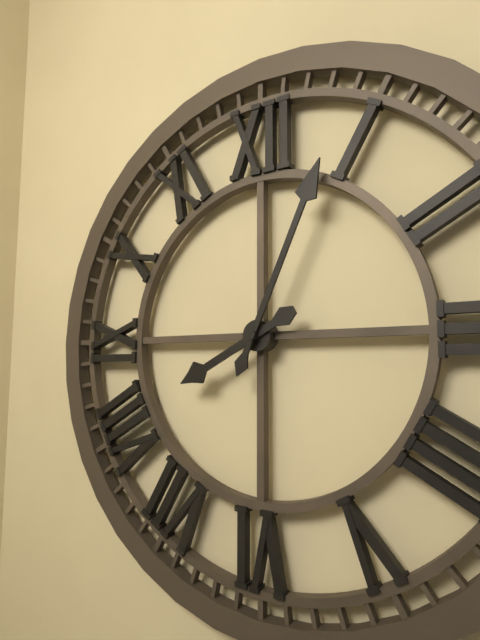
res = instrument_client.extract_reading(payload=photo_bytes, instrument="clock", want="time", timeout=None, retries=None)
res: 8:04
